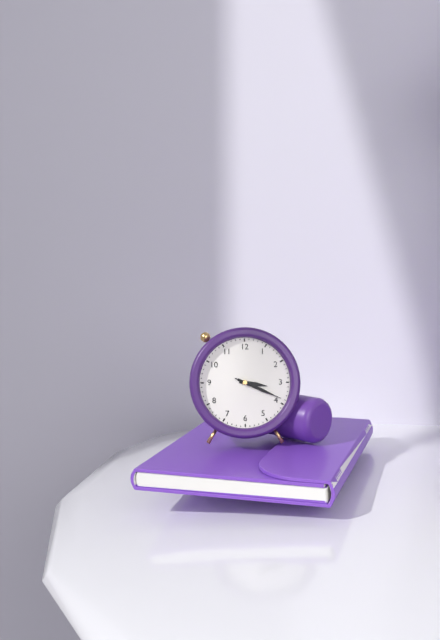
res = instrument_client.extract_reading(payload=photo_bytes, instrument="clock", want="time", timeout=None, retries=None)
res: 3:19
